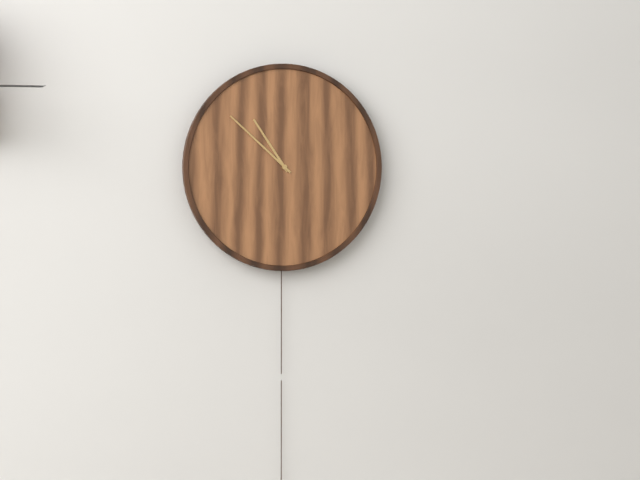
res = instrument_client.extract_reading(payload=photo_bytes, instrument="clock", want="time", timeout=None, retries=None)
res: 10:52
